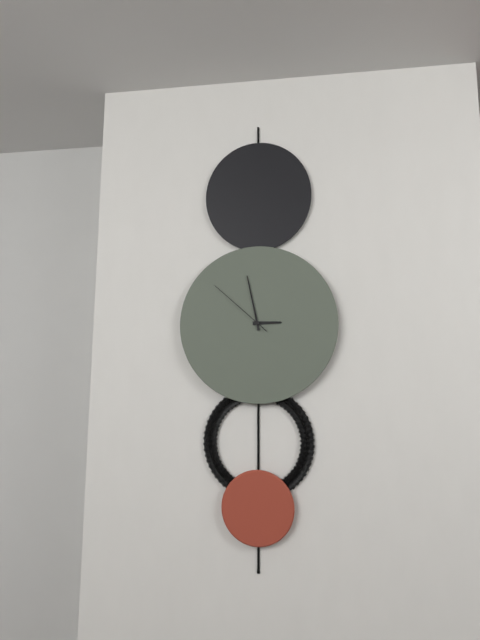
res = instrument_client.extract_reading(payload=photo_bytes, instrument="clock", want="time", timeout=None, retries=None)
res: 2:58:52
